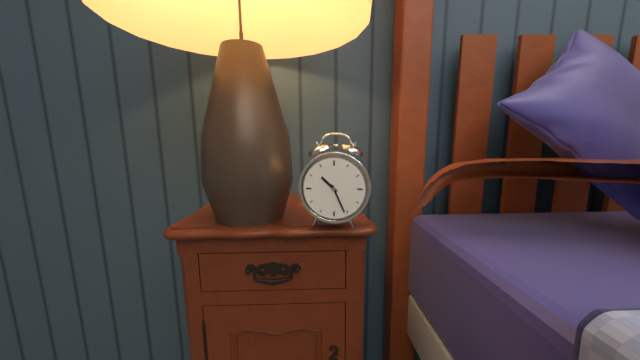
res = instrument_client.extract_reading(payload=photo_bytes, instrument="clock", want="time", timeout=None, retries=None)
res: 10:26
